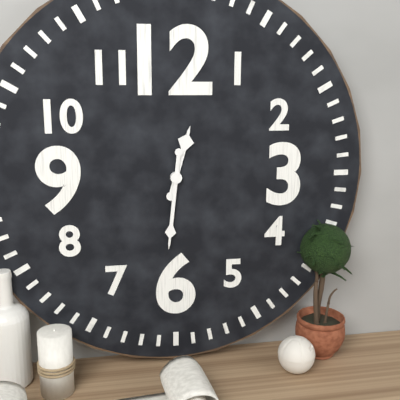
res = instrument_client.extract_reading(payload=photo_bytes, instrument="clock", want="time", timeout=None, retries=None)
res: 12:31
